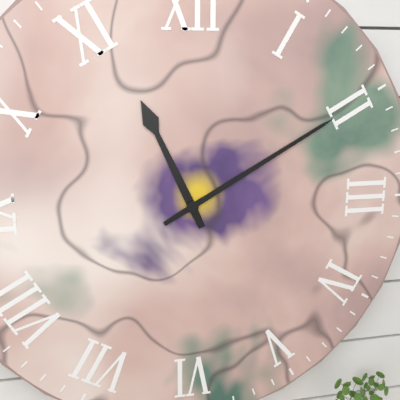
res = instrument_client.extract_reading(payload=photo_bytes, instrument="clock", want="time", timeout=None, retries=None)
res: 11:10
